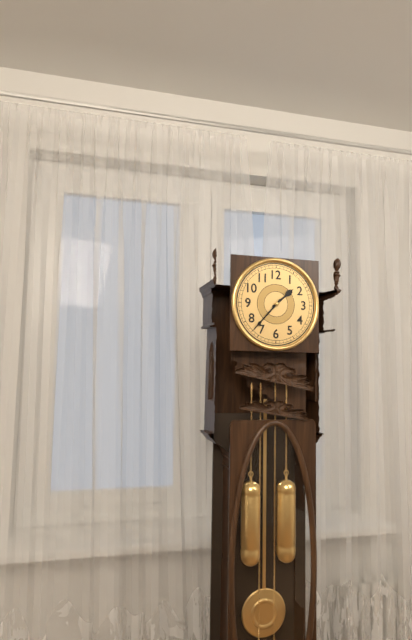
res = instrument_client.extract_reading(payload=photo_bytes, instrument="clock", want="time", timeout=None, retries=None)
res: 1:37
